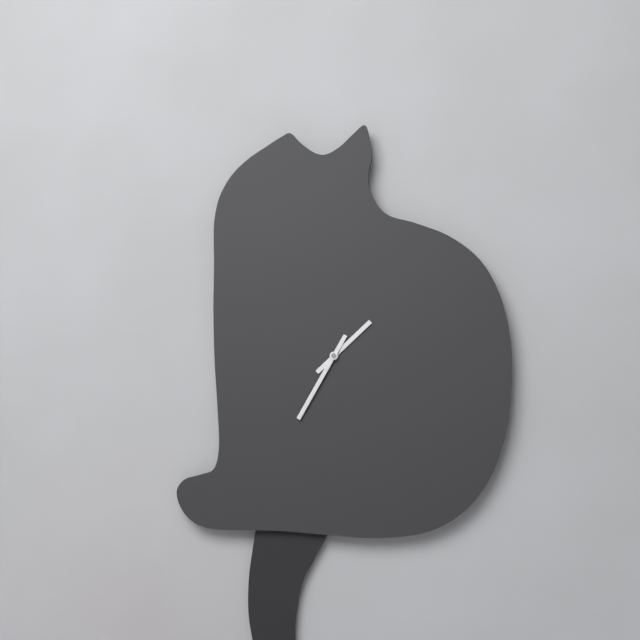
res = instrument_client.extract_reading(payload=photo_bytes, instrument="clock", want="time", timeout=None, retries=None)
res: 1:35
